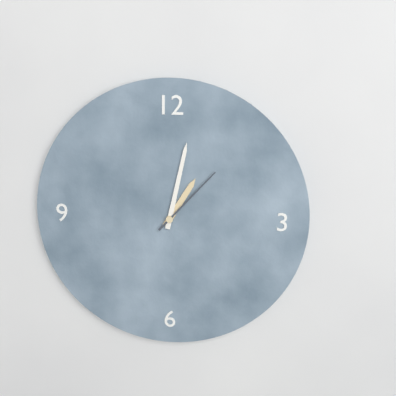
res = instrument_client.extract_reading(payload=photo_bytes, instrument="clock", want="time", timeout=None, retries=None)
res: 1:02:07
